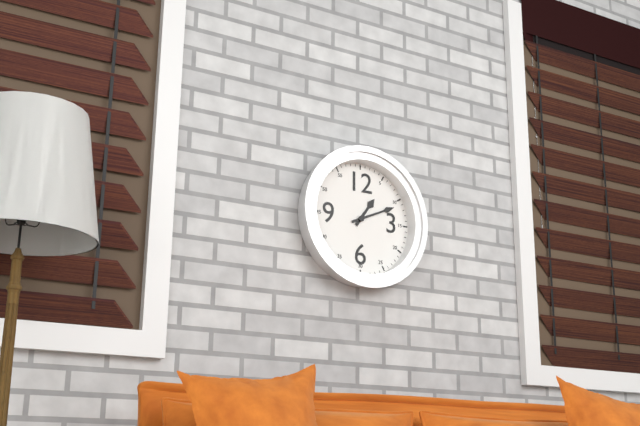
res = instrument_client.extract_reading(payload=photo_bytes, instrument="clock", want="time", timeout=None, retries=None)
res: 1:11
